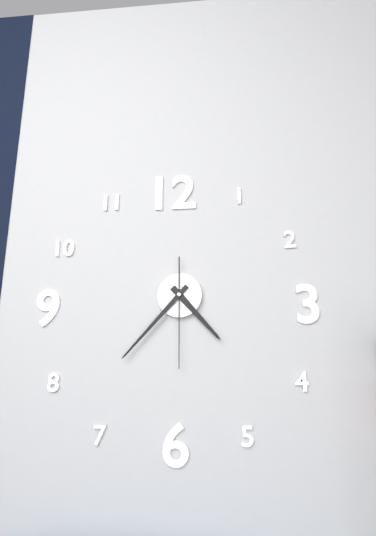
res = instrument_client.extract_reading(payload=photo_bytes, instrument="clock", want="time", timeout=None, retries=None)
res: 4:37:30
